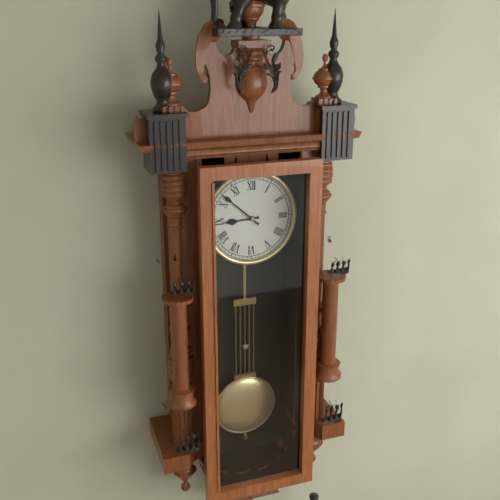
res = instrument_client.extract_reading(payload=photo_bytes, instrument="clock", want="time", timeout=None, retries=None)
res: 8:52
